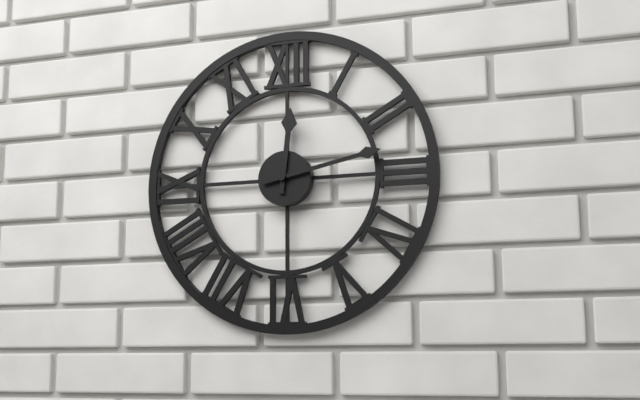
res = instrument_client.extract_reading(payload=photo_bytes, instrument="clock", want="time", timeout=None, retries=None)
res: 12:13
